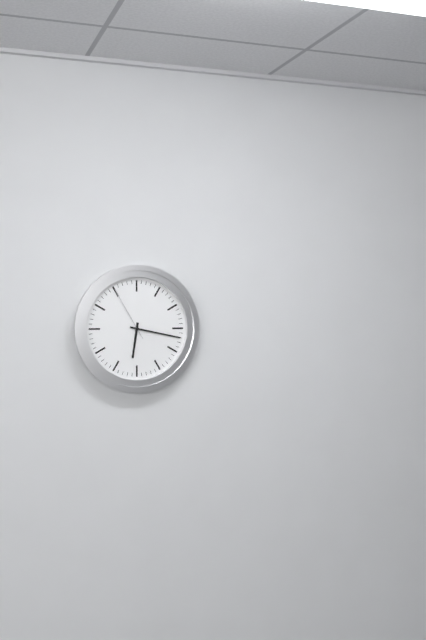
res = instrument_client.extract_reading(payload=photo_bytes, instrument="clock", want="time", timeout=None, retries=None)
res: 6:17:55
